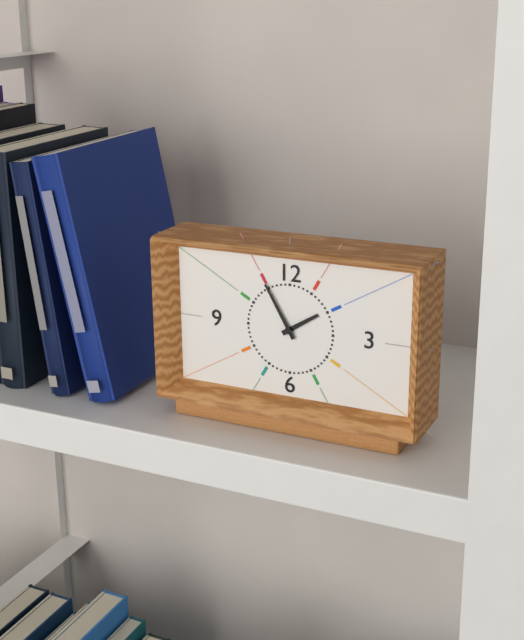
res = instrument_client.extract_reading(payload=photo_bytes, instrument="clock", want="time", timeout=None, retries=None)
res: 1:55
